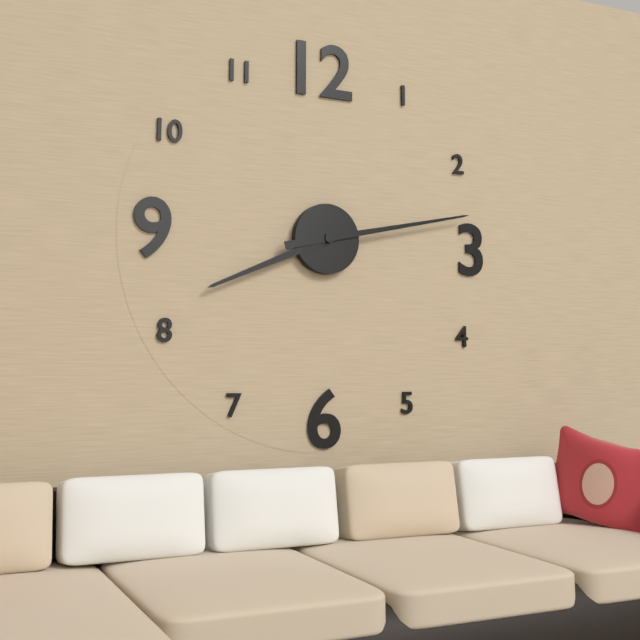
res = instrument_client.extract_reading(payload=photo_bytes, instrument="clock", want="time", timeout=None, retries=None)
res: 8:13
